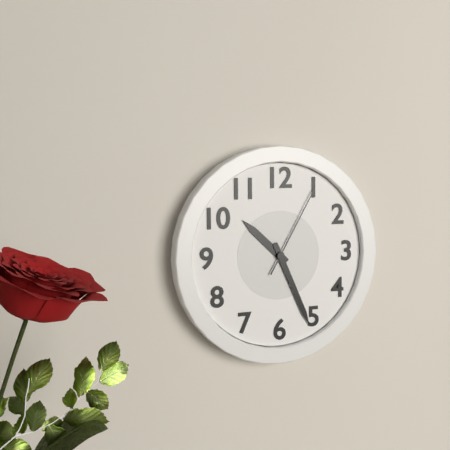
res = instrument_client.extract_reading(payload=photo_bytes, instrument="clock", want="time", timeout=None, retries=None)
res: 10:26:05
